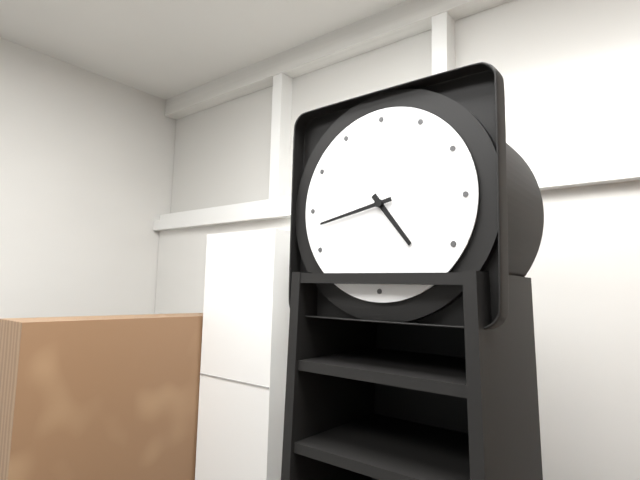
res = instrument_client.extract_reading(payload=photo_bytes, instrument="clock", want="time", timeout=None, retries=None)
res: 4:43
